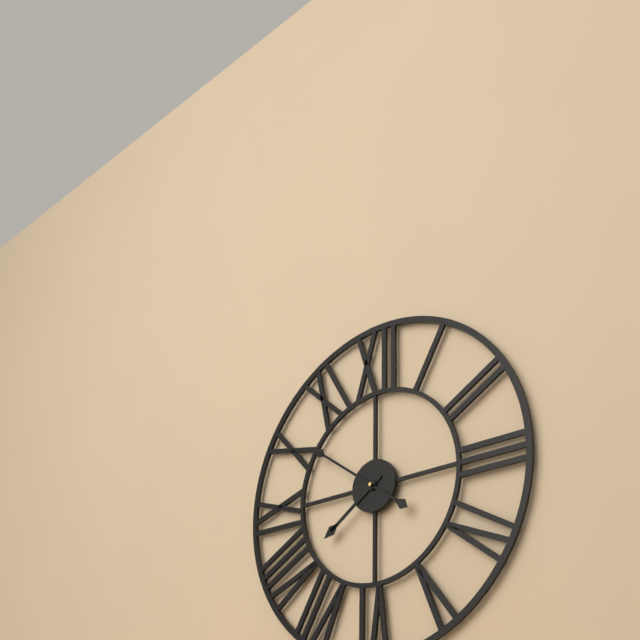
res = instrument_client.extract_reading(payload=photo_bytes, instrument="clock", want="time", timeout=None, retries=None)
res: 7:51
